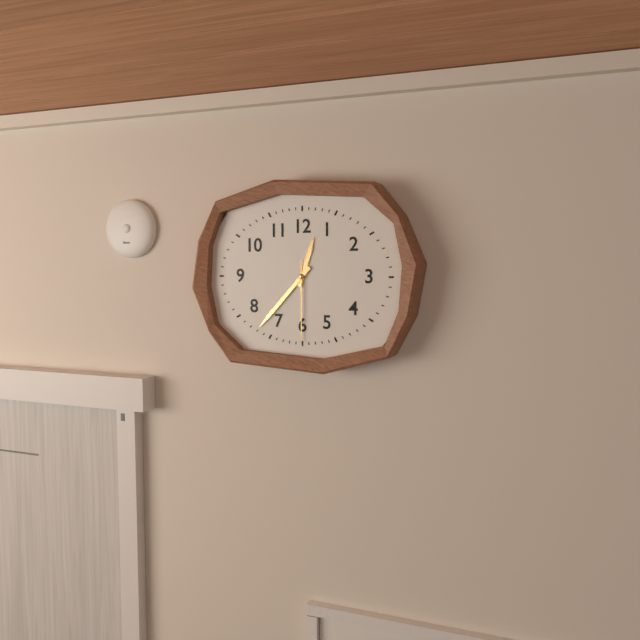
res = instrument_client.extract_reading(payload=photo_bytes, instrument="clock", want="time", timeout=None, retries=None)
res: 12:37:30
